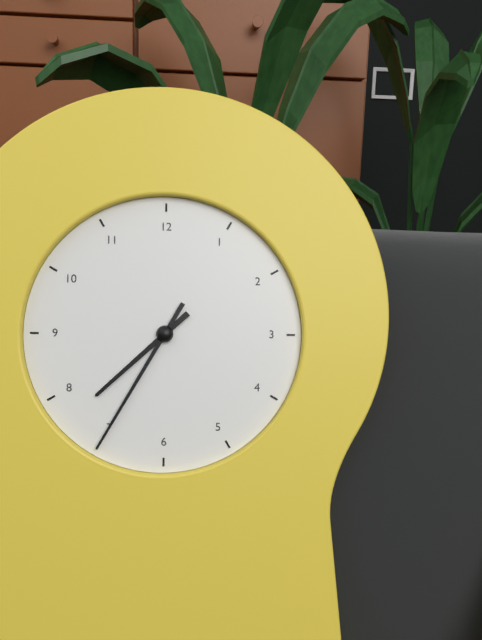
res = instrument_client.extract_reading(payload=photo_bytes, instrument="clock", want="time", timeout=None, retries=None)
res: 7:35
